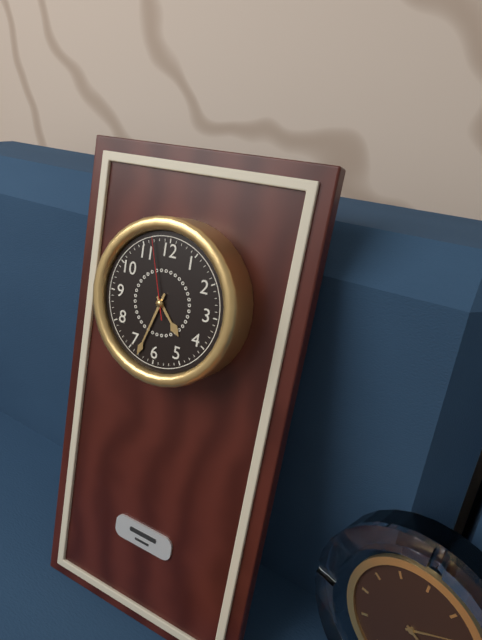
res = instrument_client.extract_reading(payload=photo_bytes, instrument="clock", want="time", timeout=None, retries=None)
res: 4:33:57
